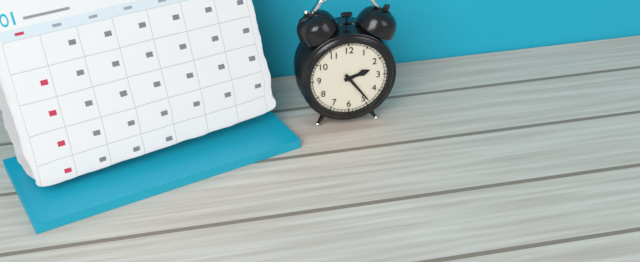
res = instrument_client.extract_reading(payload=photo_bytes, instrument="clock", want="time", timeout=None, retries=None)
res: 2:24
